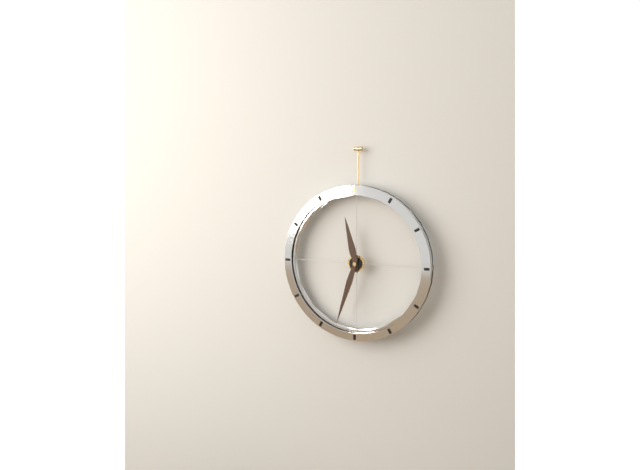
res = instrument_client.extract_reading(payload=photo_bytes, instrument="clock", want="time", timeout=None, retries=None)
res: 11:33
